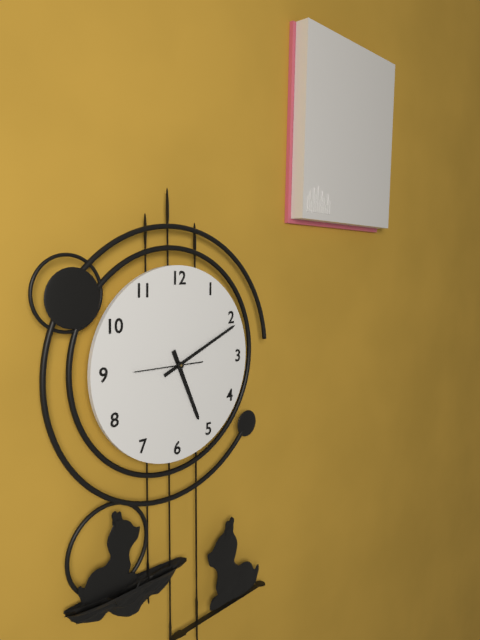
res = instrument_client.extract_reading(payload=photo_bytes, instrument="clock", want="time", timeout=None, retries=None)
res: 5:11:45
